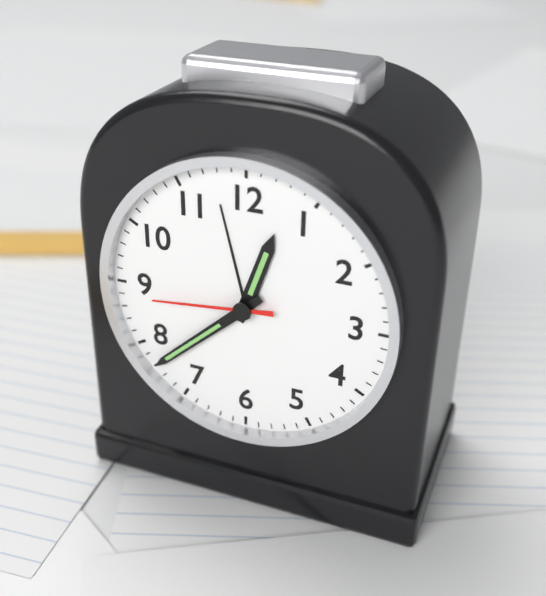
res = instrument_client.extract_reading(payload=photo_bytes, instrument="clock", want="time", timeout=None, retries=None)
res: 12:38:44
